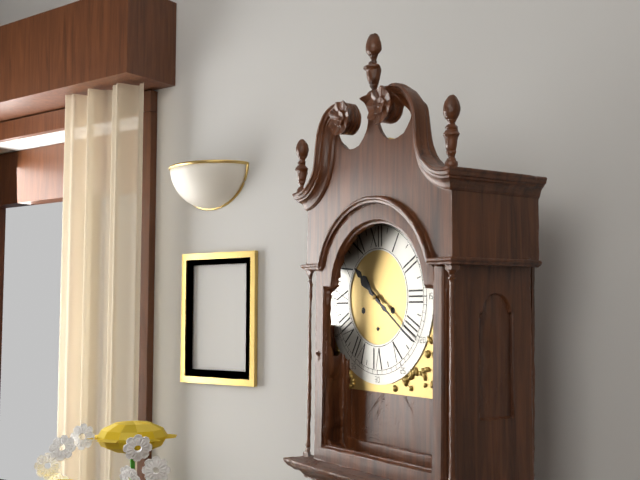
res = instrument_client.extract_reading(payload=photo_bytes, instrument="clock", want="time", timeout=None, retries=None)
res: 10:21
